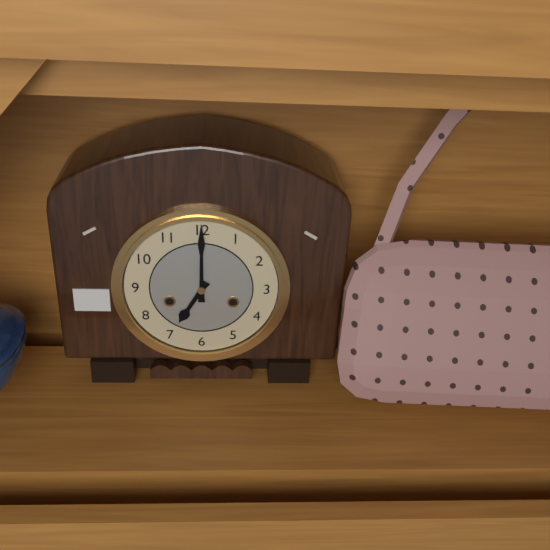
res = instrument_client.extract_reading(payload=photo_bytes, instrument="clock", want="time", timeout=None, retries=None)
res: 7:00
